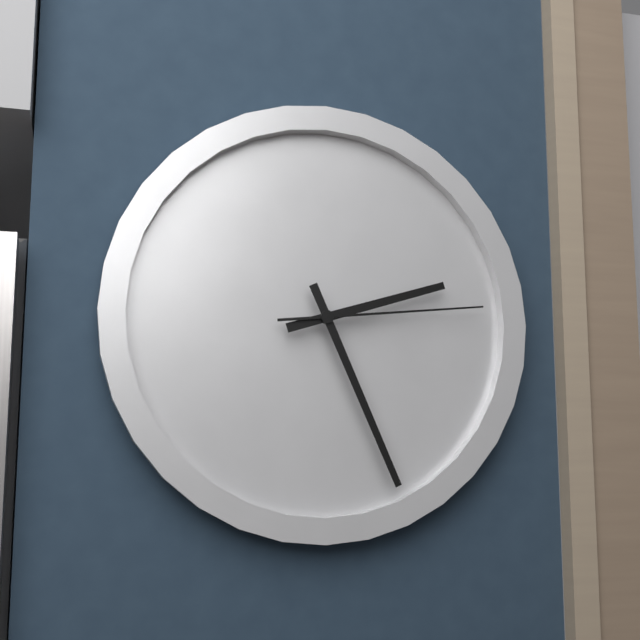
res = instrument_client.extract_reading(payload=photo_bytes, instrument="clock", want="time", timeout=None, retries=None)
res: 2:26:14
